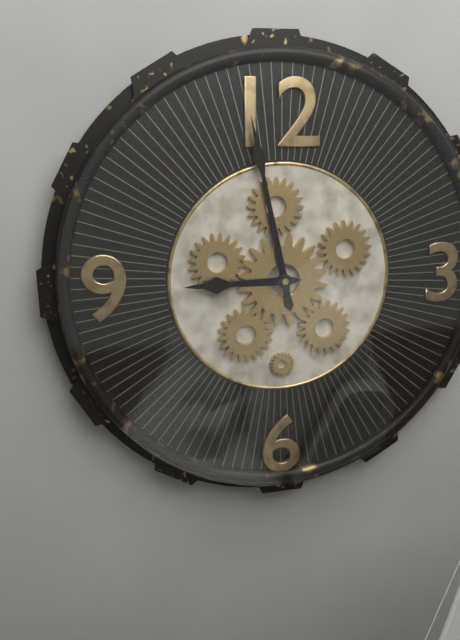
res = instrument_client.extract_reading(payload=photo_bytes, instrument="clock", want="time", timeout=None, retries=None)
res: 8:58
